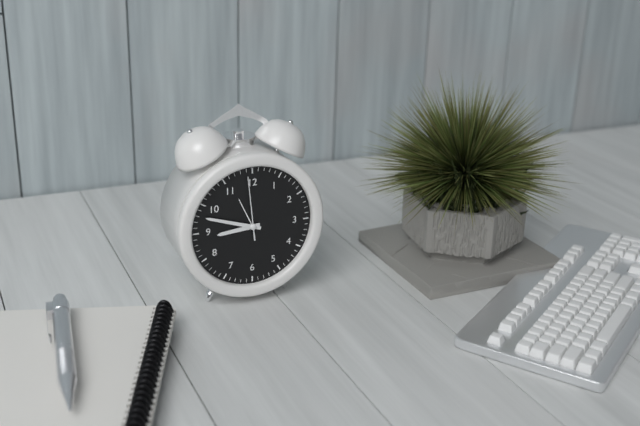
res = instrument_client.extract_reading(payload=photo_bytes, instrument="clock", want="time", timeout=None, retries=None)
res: 8:48:59
